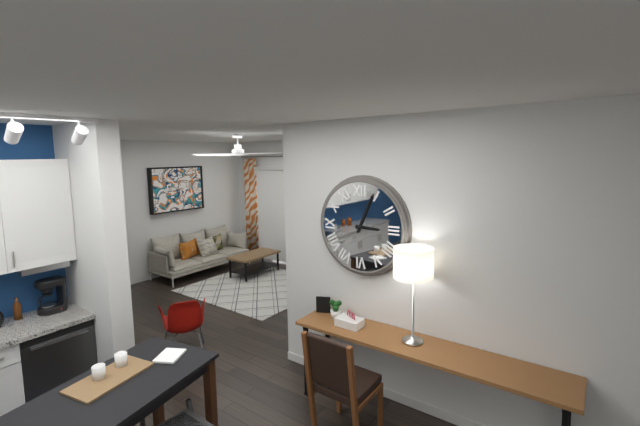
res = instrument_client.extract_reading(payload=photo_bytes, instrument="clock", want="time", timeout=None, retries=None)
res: 3:04
